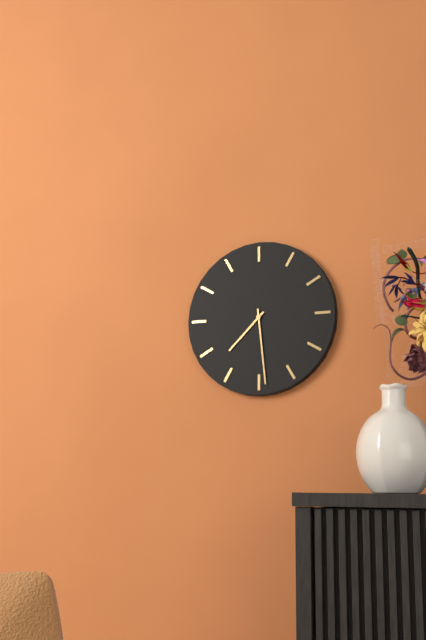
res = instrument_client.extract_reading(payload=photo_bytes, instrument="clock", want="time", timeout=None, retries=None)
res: 7:29
